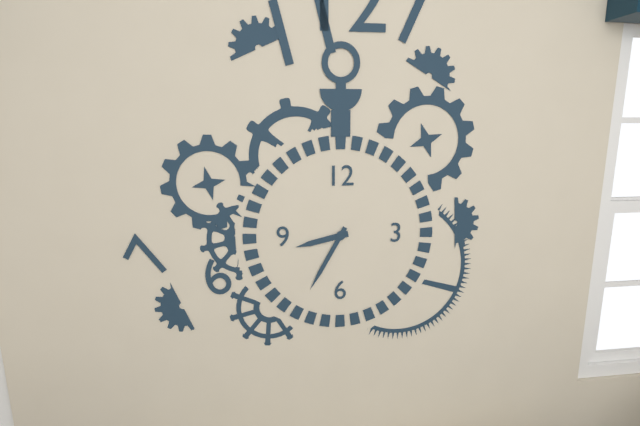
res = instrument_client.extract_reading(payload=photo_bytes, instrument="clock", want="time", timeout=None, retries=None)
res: 8:35
